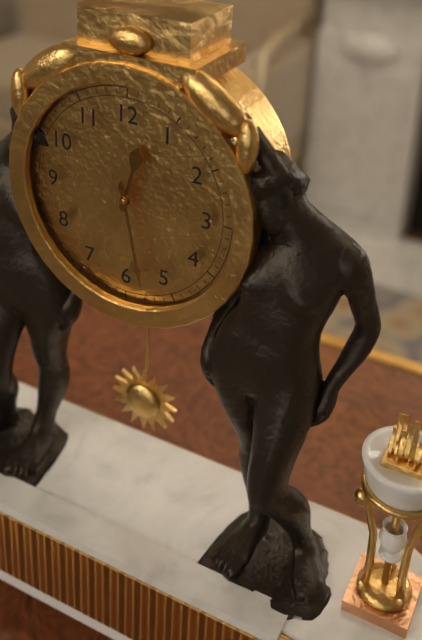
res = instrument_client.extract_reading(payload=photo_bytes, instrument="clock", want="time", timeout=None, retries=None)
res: 12:28
